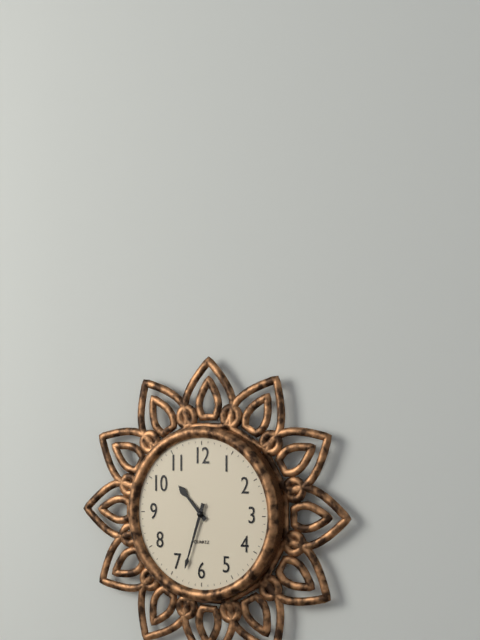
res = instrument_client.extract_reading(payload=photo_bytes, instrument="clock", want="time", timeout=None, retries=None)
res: 10:33
